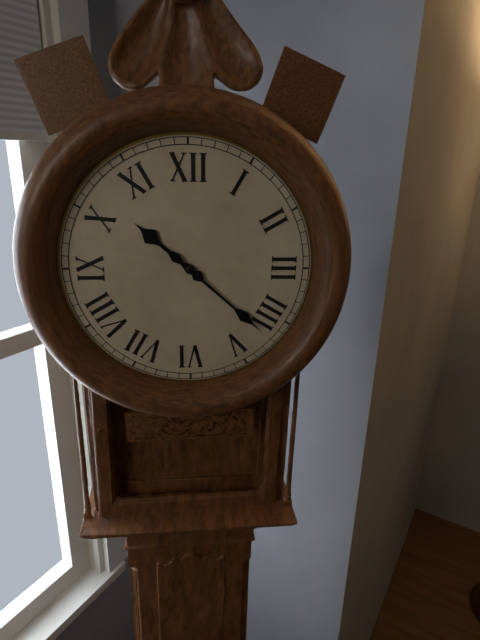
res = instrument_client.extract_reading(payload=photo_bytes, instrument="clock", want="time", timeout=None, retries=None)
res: 10:22
